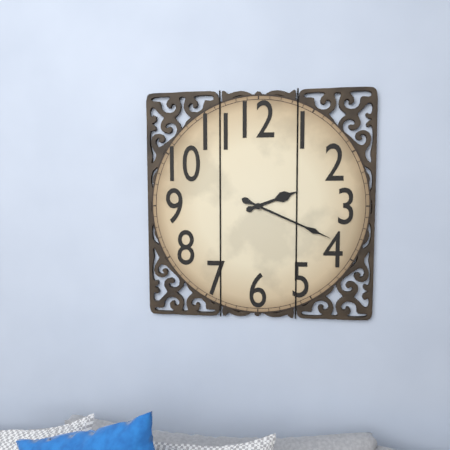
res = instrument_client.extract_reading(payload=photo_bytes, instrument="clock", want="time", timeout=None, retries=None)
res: 2:19
